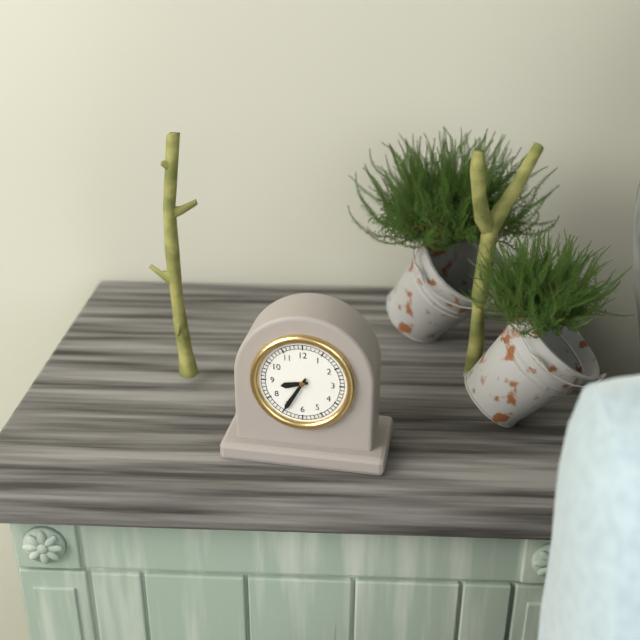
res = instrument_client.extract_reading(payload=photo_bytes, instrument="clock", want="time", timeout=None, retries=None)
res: 8:35
